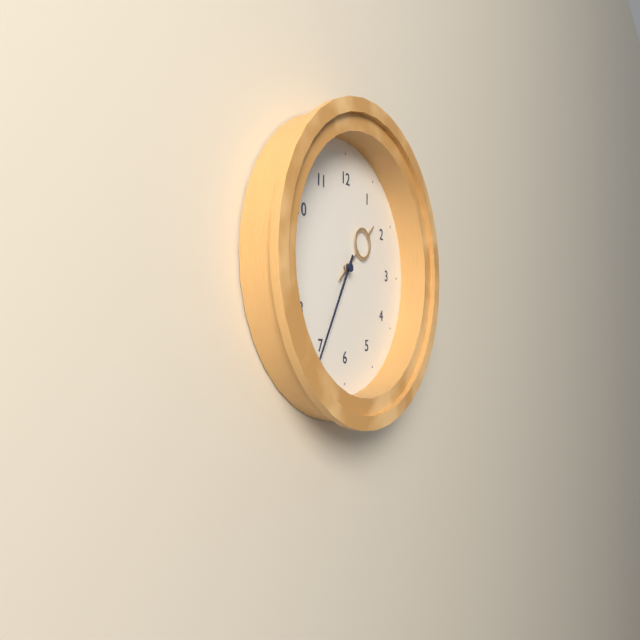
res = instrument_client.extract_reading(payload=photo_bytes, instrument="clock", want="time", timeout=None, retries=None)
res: 1:35
